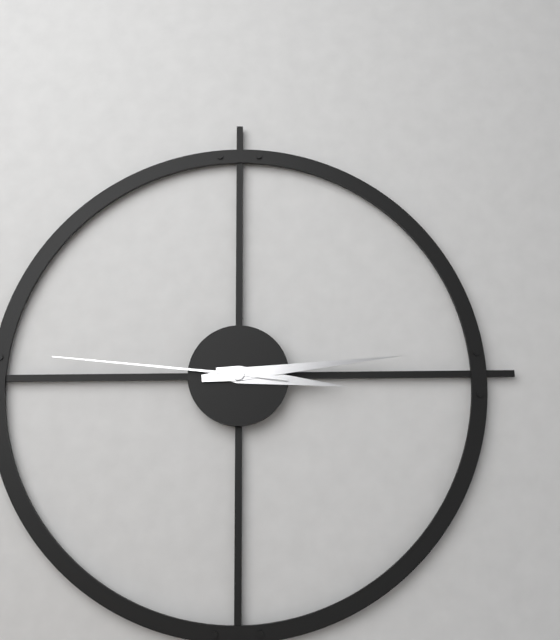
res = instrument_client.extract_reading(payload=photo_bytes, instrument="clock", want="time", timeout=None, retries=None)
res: 3:14:46
